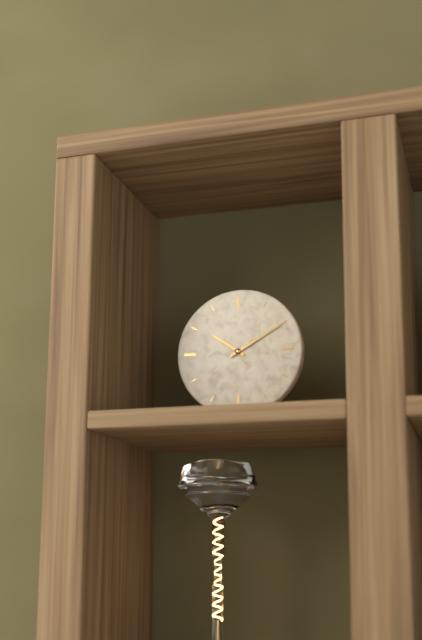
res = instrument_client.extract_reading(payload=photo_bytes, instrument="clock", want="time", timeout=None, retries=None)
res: 10:10
